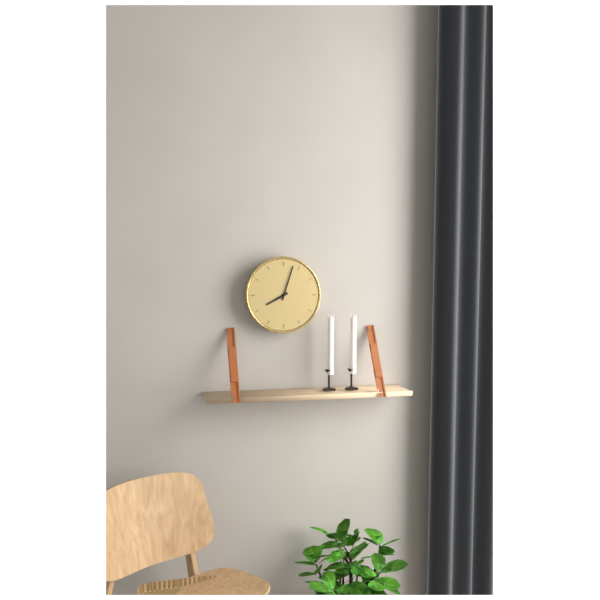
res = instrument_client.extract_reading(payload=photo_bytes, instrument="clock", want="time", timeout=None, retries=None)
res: 8:03
